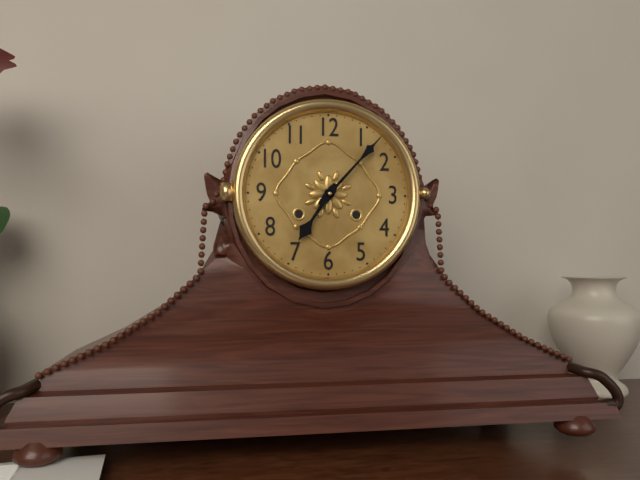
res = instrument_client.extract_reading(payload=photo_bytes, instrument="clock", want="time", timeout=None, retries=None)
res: 7:07
